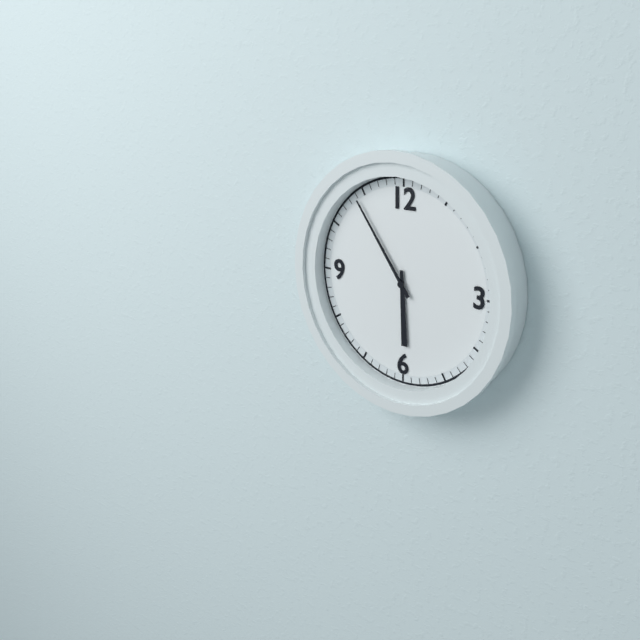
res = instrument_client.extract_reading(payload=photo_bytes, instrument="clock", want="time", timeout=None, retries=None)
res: 5:54
